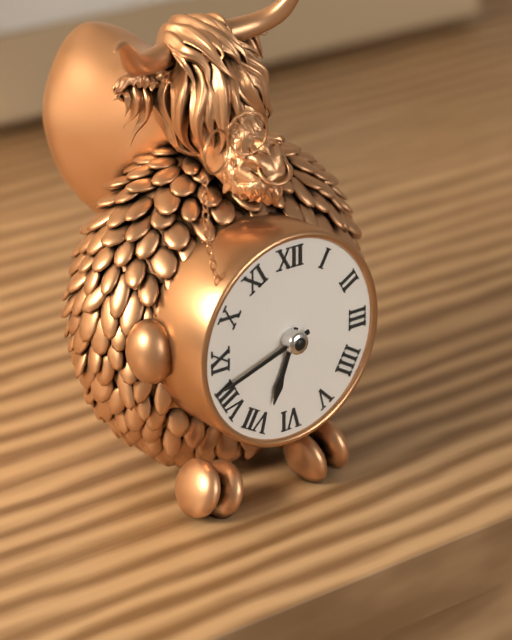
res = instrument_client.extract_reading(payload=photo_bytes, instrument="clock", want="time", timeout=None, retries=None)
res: 6:42
